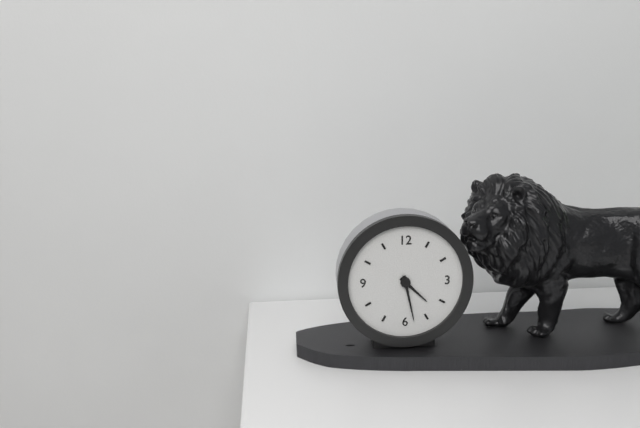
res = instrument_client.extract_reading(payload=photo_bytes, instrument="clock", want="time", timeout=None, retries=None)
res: 4:28
